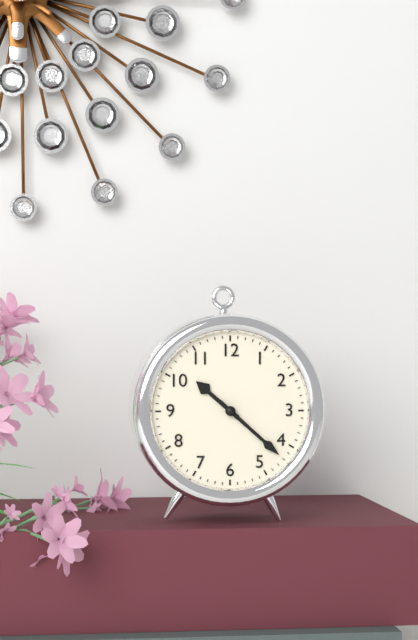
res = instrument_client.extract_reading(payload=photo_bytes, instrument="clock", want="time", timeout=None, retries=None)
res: 10:22
